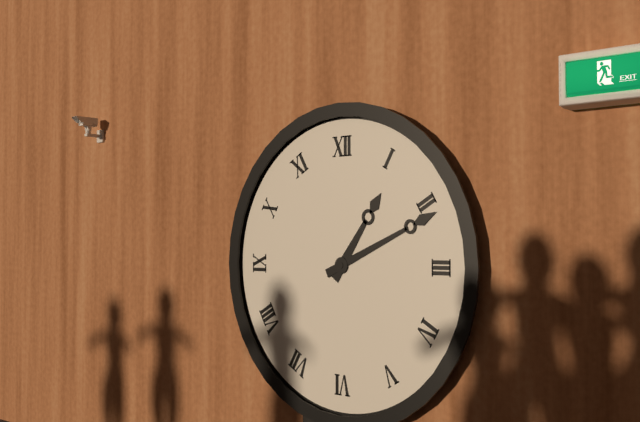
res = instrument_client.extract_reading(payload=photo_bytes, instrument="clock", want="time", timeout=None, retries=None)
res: 1:11
